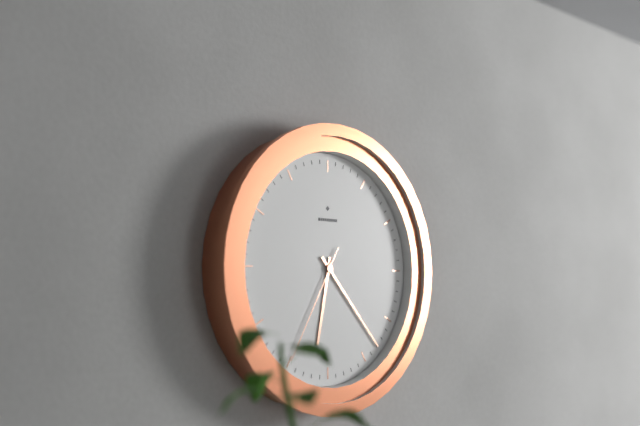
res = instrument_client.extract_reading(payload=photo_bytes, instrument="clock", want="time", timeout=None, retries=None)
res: 6:23:35
